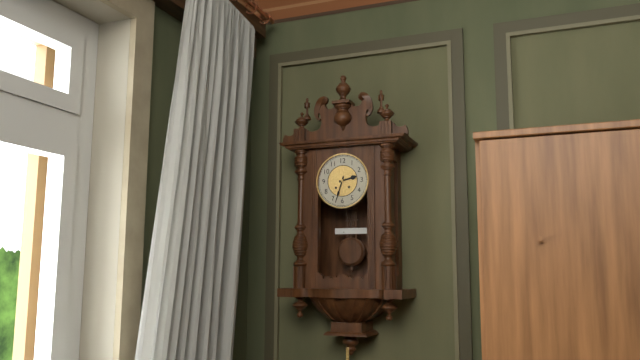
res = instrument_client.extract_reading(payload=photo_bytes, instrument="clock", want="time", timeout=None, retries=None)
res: 2:33
